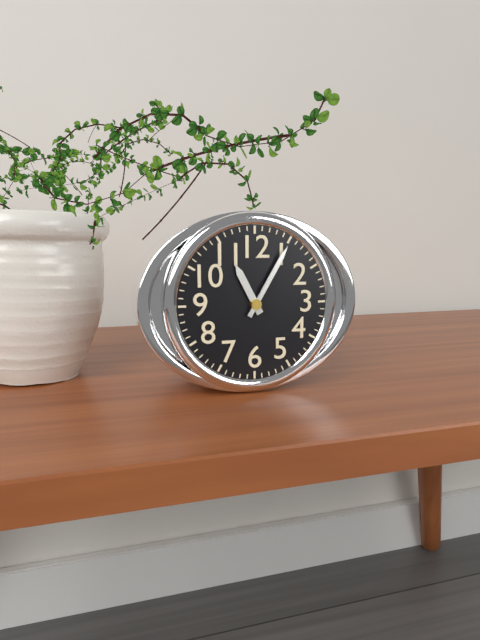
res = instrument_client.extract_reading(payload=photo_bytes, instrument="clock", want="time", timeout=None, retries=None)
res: 11:05
